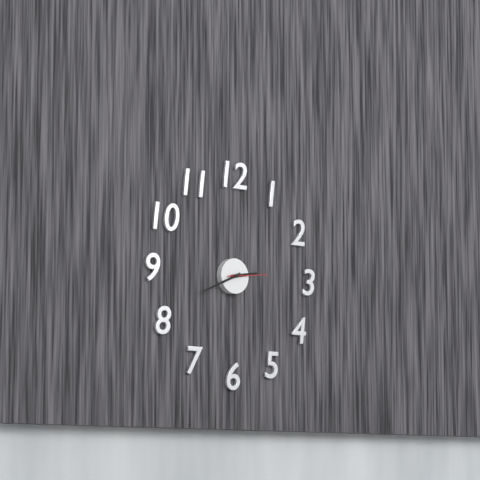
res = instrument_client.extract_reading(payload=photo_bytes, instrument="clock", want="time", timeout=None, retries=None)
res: 2:41
